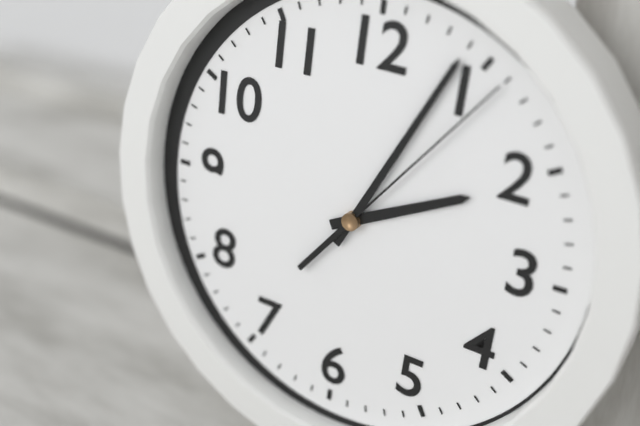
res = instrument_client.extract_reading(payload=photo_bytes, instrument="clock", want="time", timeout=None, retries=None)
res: 2:04:06
